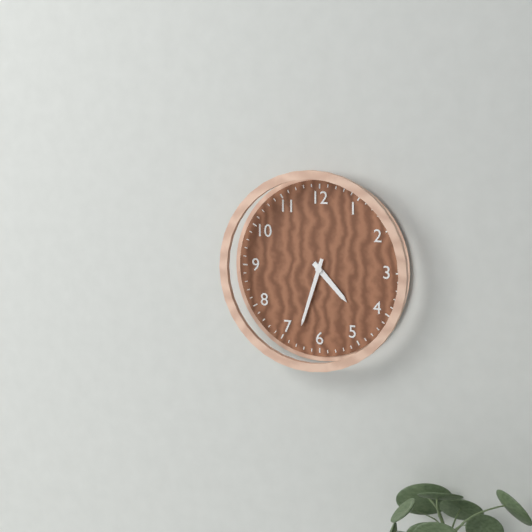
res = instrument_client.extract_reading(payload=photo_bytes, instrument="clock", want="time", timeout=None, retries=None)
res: 4:33
